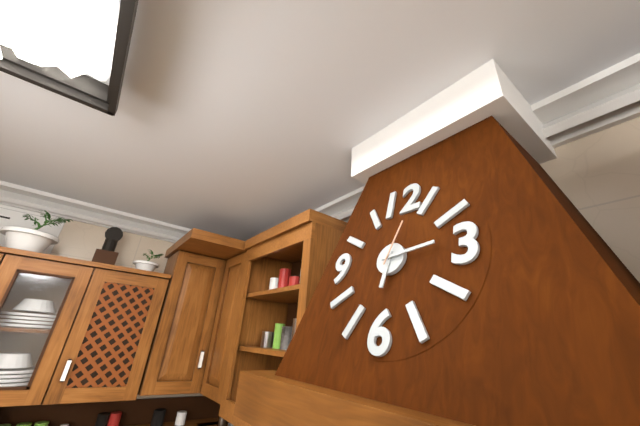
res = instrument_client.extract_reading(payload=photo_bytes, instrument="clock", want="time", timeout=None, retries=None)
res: 6:14
